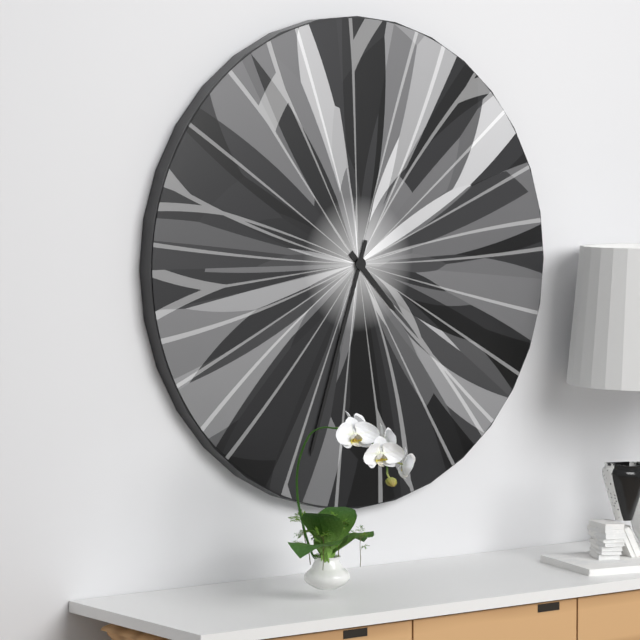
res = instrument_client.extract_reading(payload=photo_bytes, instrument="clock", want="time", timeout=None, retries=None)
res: 4:33
